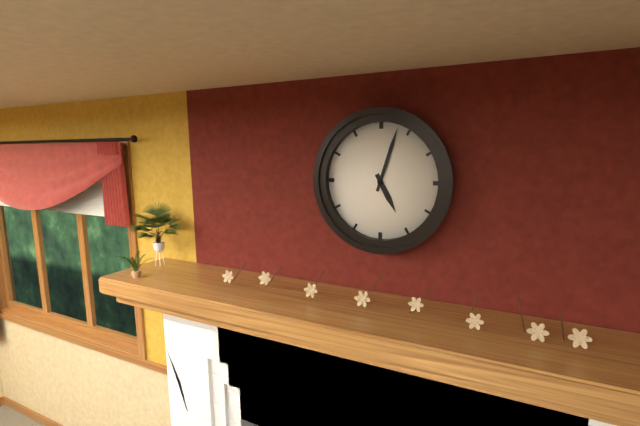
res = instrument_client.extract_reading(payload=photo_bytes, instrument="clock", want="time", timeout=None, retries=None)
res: 5:03
